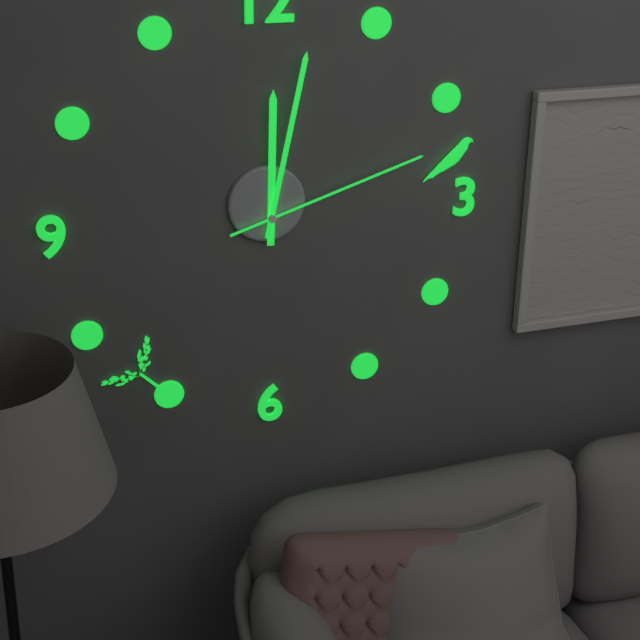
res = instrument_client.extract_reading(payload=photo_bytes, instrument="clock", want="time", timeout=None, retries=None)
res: 12:02:12
